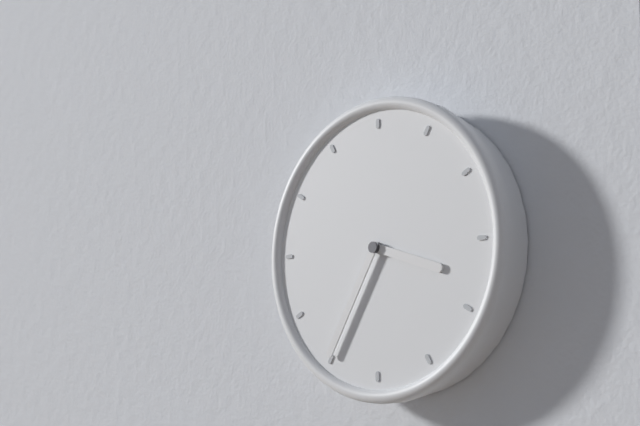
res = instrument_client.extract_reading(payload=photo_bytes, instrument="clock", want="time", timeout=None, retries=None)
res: 3:35
